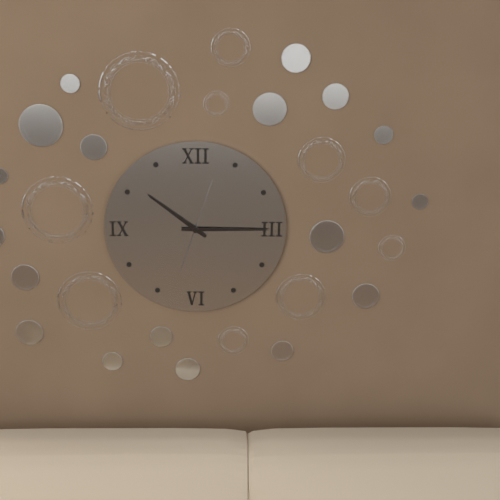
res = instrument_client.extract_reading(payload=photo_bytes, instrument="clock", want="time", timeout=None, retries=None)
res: 10:15:03
